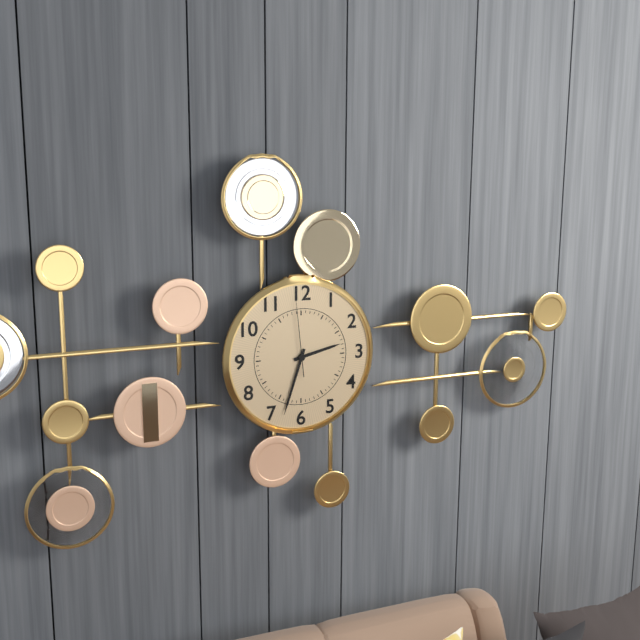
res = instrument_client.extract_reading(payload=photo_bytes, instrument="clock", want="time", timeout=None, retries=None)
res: 2:33:59
